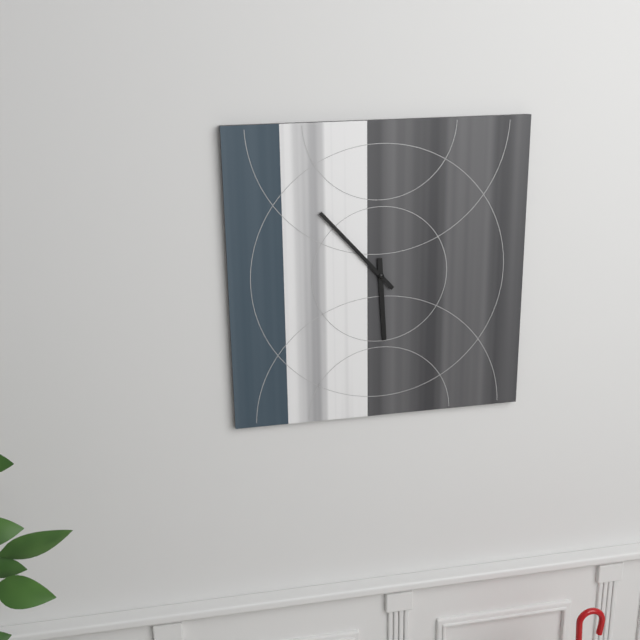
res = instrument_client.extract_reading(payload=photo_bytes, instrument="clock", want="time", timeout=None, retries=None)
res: 5:53
